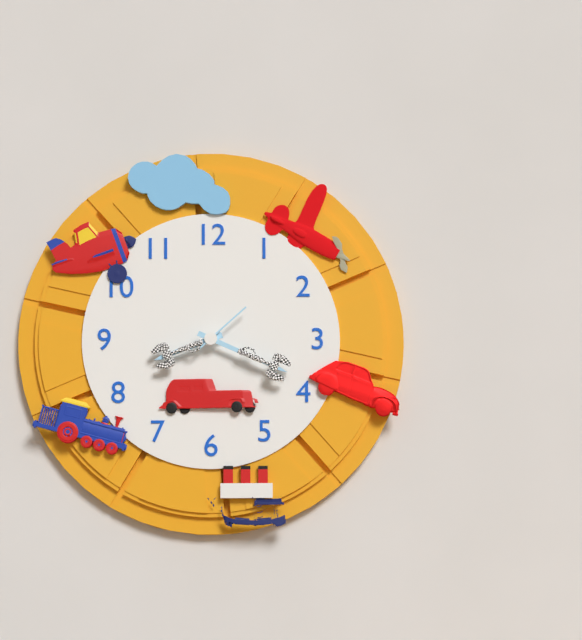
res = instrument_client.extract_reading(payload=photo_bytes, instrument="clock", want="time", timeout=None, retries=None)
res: 8:19:08
